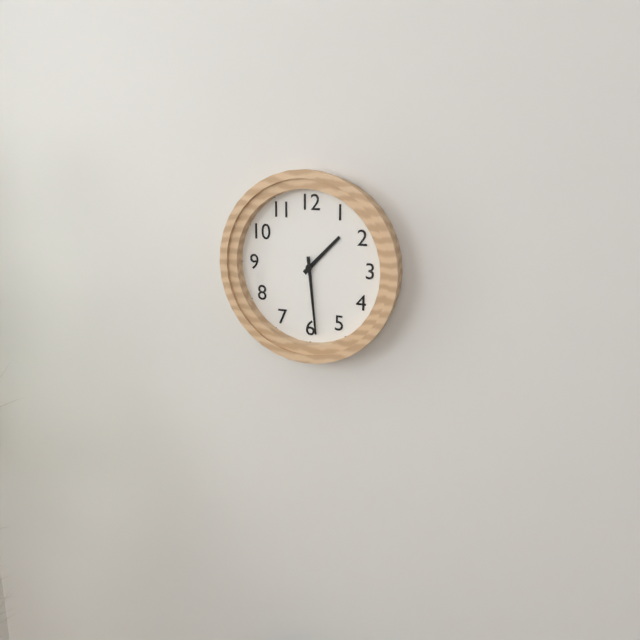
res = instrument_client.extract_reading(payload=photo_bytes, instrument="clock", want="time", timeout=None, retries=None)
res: 1:29
